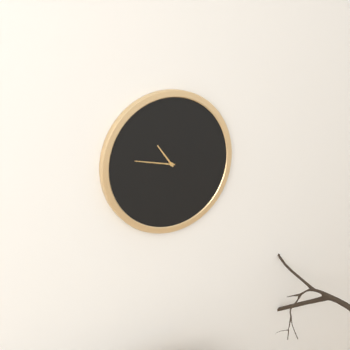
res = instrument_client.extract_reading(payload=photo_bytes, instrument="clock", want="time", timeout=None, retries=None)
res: 10:47
